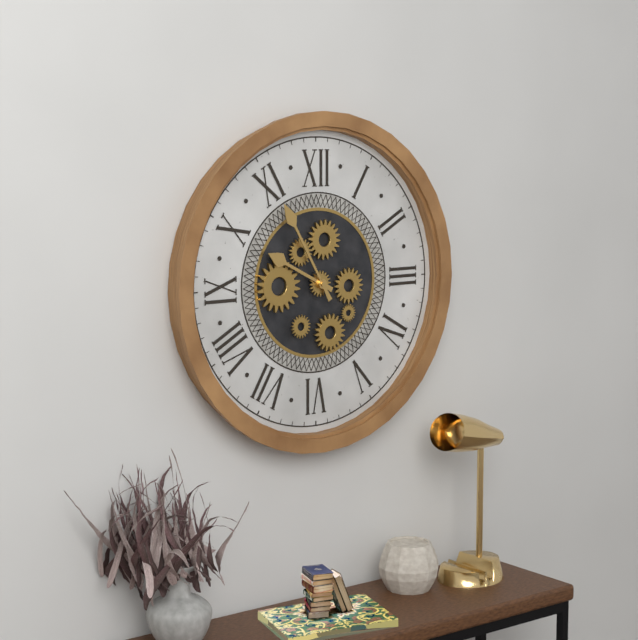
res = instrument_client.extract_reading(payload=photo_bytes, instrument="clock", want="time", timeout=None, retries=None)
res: 9:55
